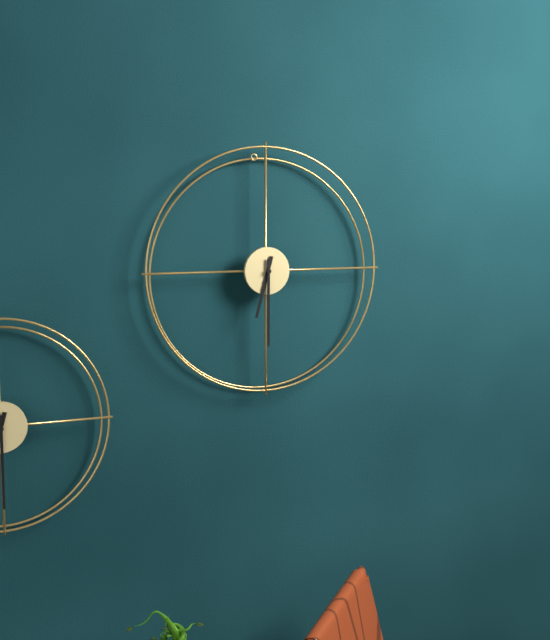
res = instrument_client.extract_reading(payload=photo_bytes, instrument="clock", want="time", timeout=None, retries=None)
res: 6:30
